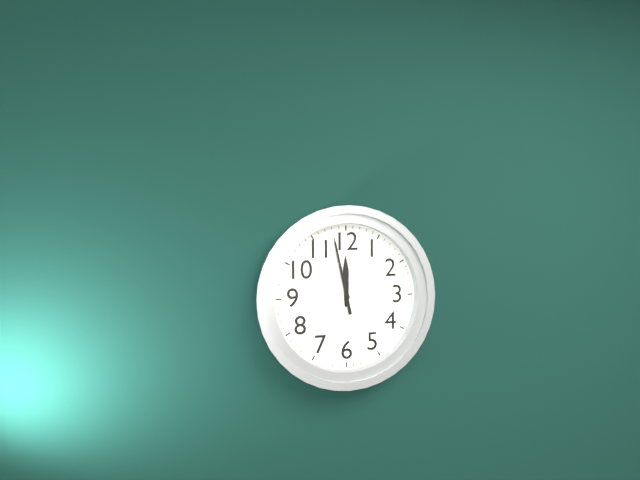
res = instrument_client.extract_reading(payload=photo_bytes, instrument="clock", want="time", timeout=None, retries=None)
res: 11:58
